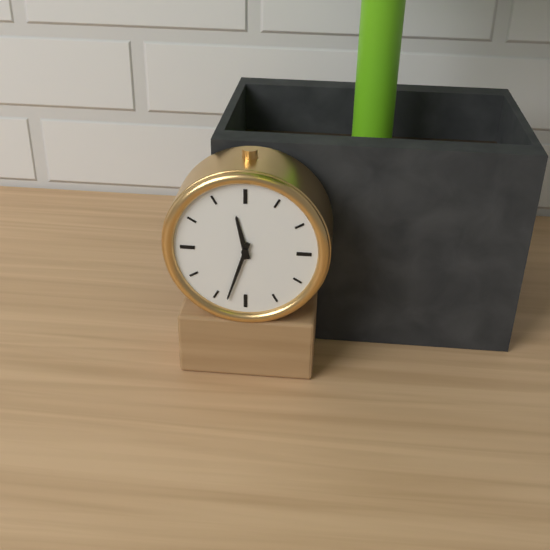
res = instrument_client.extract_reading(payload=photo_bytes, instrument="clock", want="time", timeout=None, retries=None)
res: 11:33
